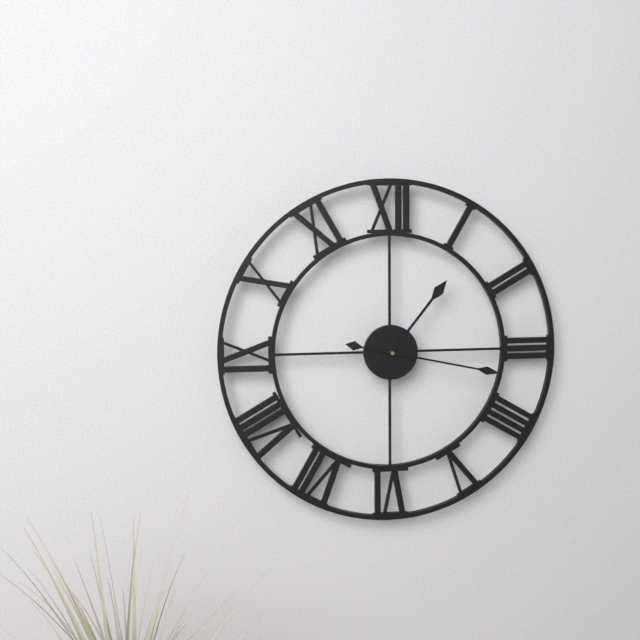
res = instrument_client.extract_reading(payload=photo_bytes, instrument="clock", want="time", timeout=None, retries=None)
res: 1:17
